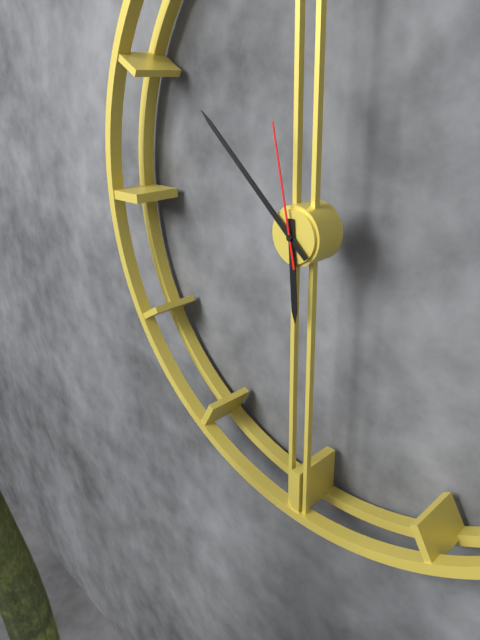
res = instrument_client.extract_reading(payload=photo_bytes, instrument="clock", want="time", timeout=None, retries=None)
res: 5:52:58
